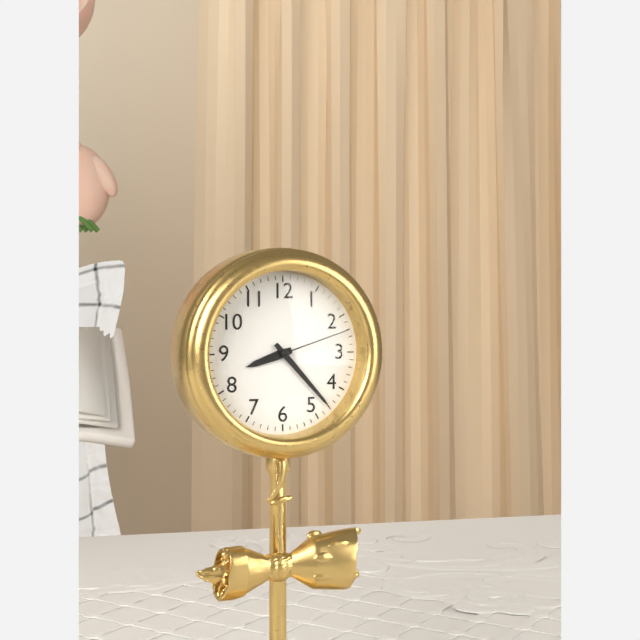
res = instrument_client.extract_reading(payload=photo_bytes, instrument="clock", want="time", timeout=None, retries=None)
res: 8:23:12
